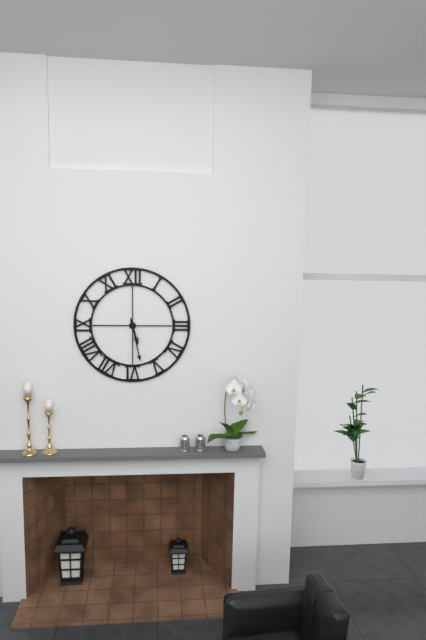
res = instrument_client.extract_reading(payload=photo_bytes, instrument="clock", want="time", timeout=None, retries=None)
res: 5:28
